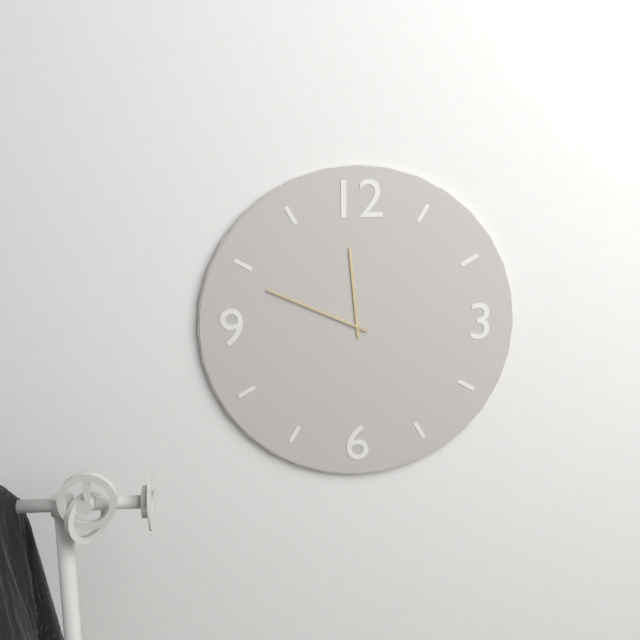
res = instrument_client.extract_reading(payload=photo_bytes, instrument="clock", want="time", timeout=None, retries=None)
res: 11:49
